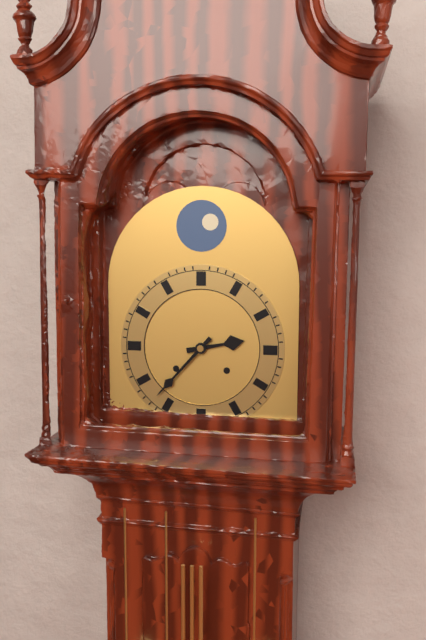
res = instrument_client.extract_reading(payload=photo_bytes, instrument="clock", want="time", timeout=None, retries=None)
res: 2:37
